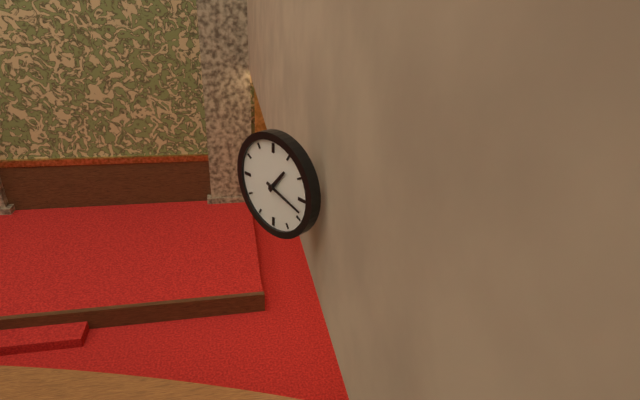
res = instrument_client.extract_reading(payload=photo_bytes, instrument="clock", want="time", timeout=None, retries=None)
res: 1:18
